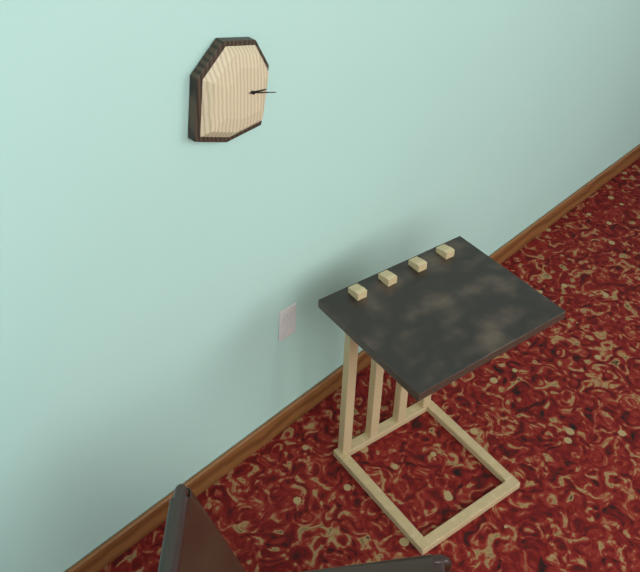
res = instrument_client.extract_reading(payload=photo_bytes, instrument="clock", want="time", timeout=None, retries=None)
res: 3:18
